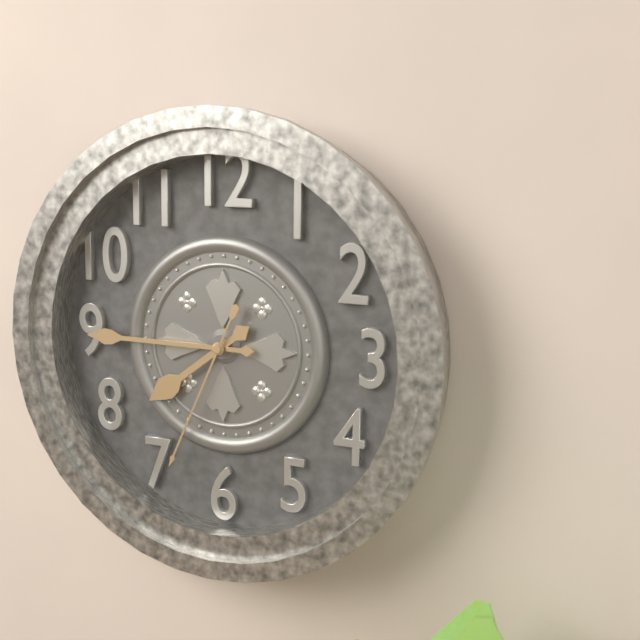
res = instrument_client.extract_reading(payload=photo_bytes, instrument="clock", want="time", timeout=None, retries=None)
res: 7:45:34
